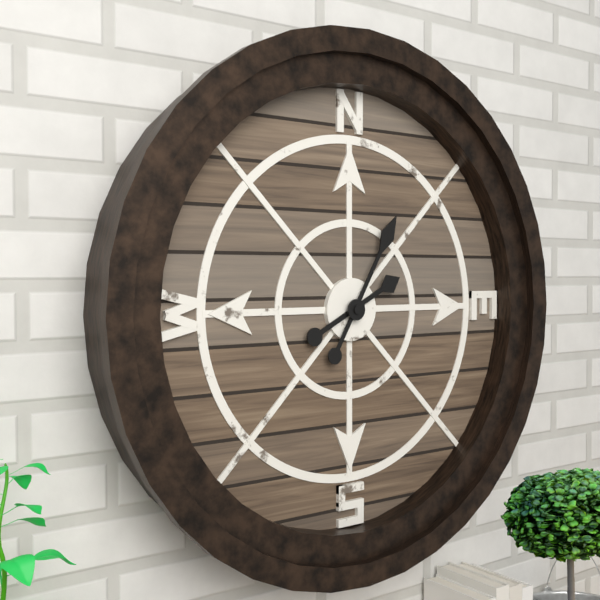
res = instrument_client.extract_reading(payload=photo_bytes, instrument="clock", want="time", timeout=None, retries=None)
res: 2:05
